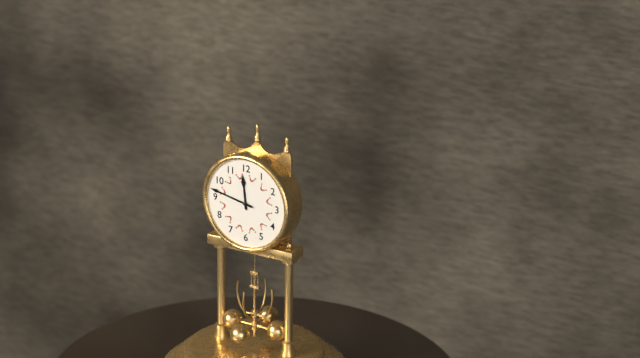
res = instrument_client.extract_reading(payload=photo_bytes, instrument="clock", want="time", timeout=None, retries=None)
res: 11:47
